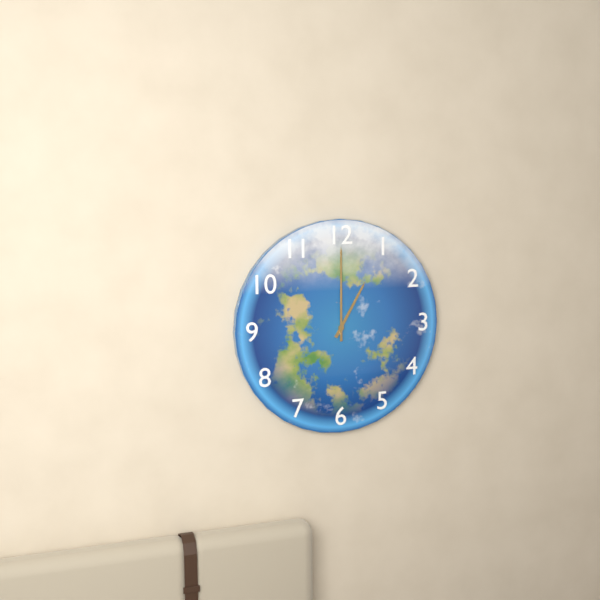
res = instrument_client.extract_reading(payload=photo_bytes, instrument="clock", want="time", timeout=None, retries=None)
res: 1:00
